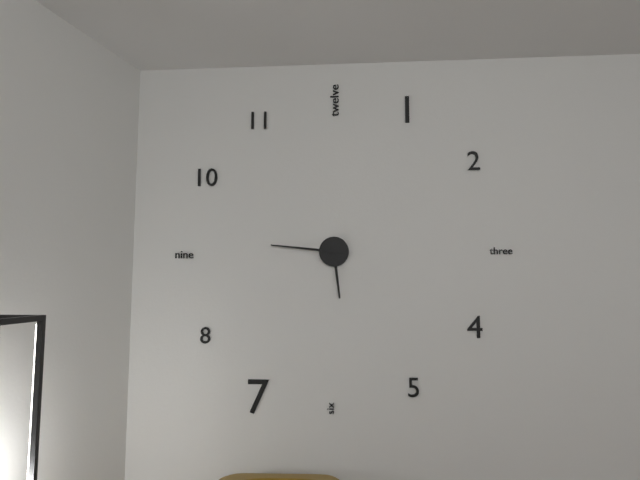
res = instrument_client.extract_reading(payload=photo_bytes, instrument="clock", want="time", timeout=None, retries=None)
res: 5:46
